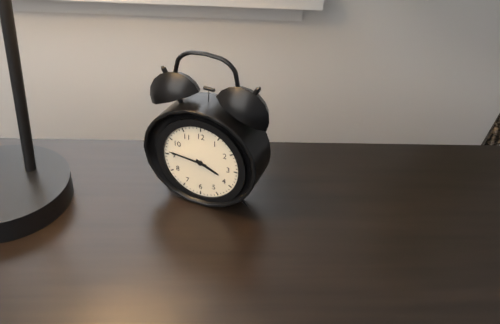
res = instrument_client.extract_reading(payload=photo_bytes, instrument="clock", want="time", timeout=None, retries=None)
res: 3:46
